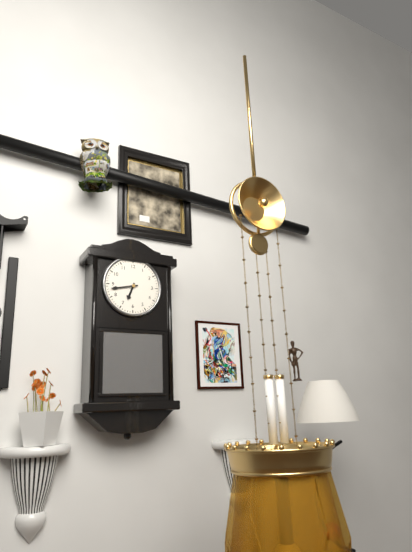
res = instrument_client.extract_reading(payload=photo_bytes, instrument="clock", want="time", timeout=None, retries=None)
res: 6:43
